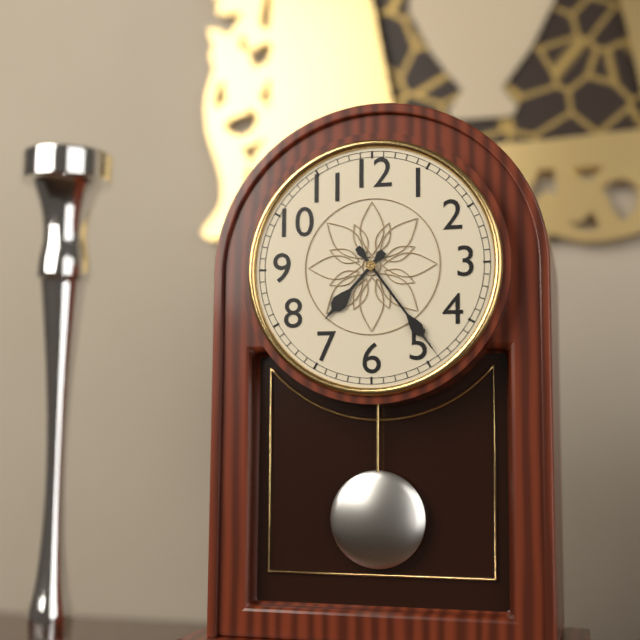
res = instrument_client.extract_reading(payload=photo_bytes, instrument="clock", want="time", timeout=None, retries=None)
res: 7:24
